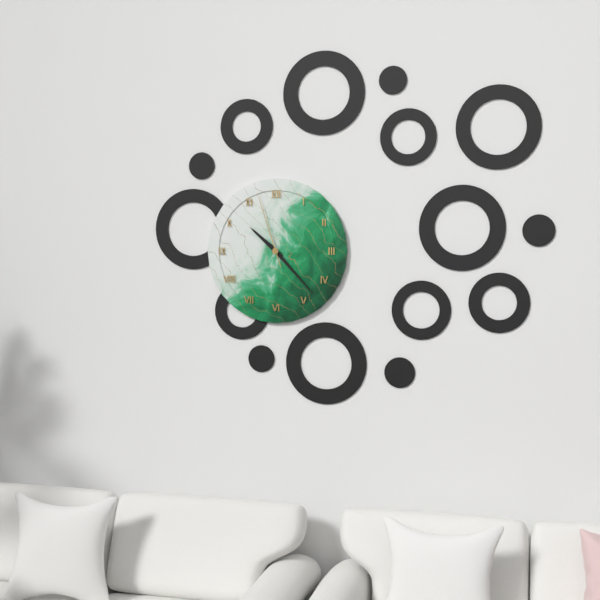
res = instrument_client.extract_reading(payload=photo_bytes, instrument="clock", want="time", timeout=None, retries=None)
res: 10:23:57
